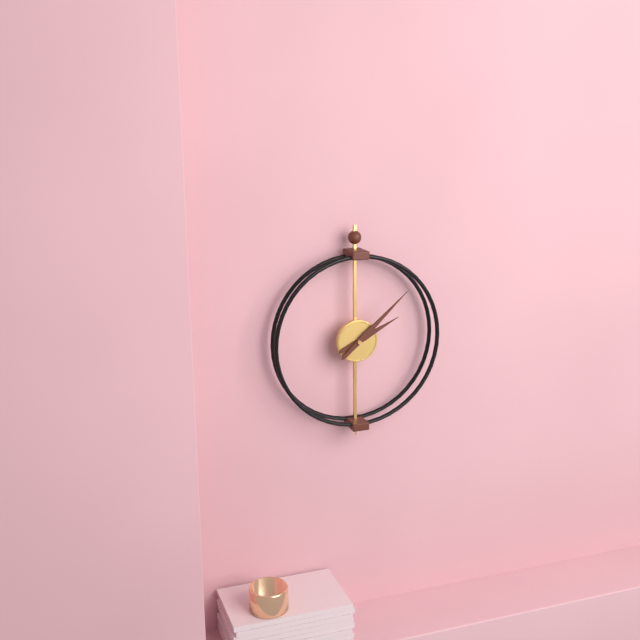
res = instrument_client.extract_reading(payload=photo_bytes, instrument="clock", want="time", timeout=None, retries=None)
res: 2:08
